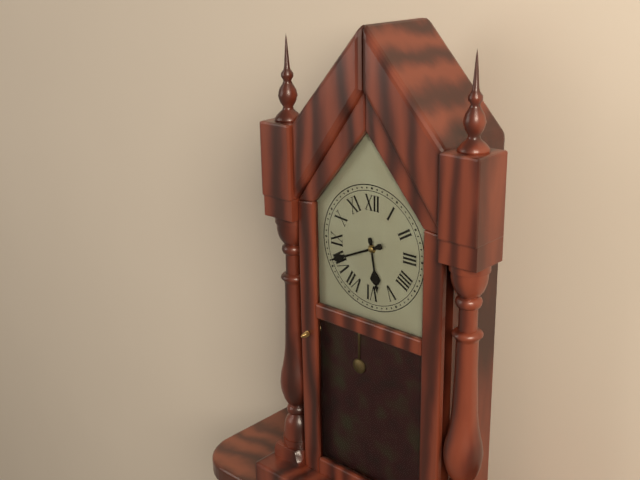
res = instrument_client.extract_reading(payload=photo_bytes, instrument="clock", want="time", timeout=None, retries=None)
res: 5:41
